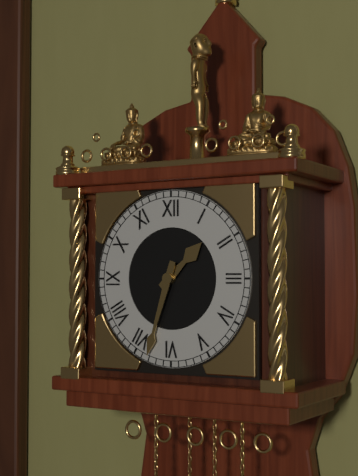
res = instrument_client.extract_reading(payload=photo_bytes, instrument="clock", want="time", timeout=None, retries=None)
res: 1:33
